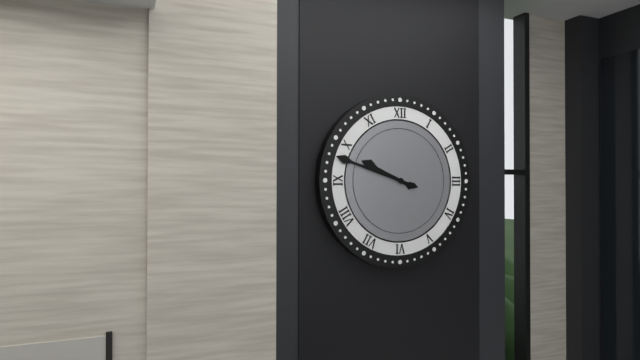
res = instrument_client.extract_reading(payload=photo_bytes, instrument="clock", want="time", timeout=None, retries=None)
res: 9:48
